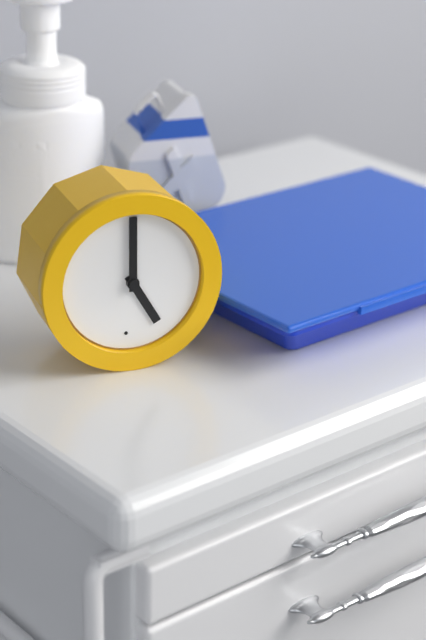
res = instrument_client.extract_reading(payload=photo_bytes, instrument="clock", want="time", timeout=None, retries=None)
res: 5:00
